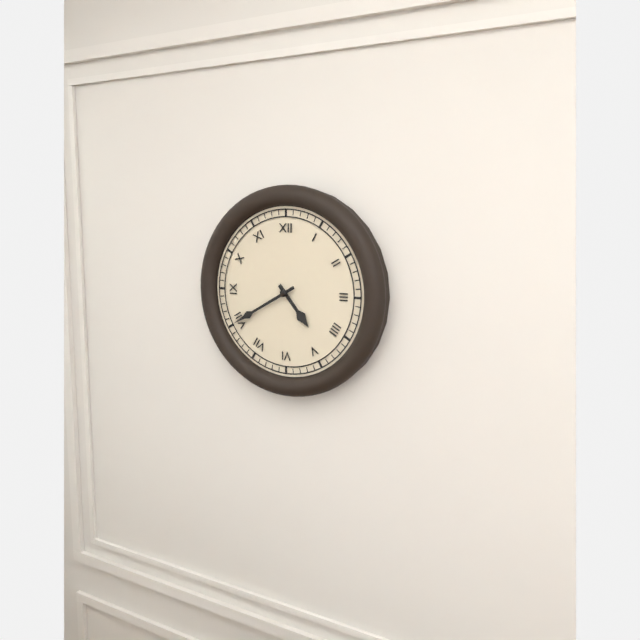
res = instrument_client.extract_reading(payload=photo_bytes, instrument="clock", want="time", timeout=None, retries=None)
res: 4:40
